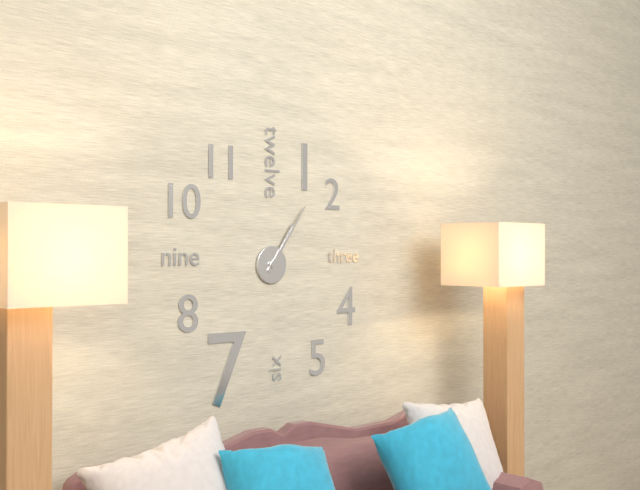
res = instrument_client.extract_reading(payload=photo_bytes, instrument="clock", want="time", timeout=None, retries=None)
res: 1:06
